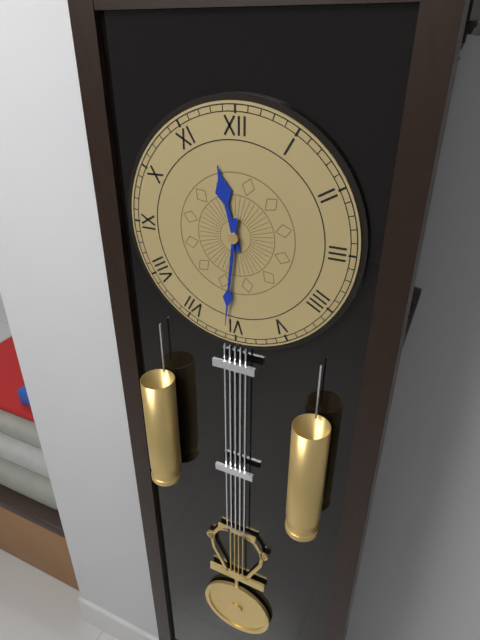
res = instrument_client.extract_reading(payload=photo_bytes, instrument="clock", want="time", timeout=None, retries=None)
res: 11:31
